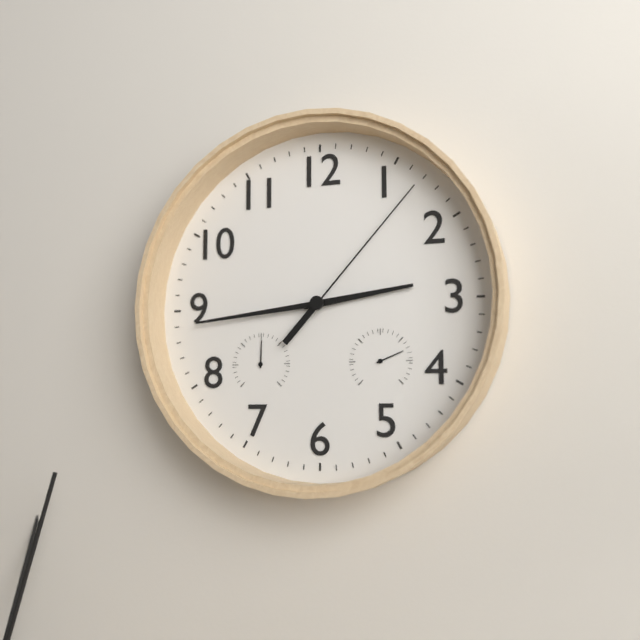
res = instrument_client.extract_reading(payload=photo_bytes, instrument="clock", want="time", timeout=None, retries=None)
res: 2:44:07
